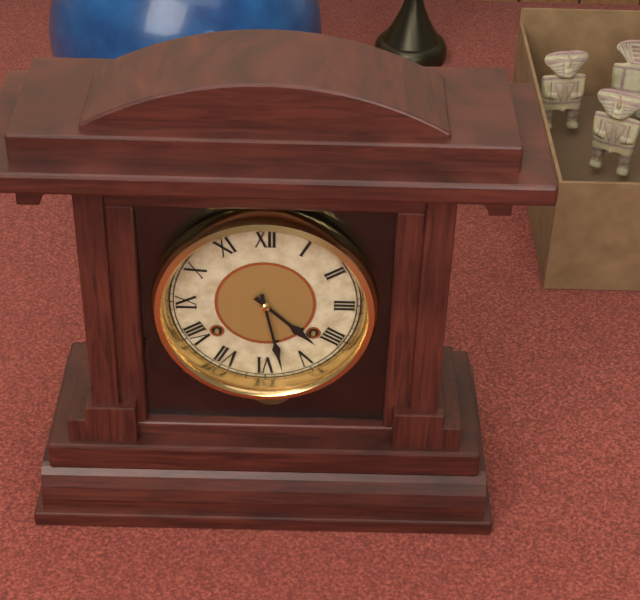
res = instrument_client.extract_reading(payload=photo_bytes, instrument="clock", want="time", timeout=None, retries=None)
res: 4:28
